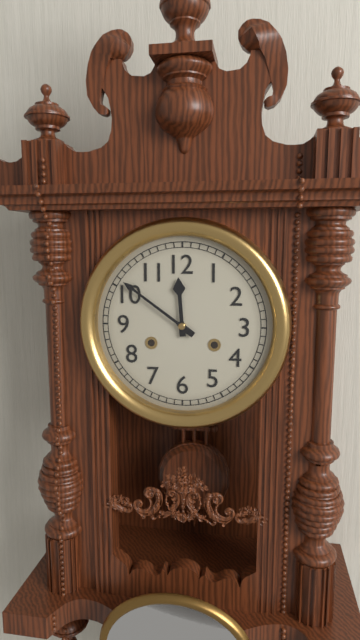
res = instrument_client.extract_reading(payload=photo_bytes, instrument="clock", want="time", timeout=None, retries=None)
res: 11:51
